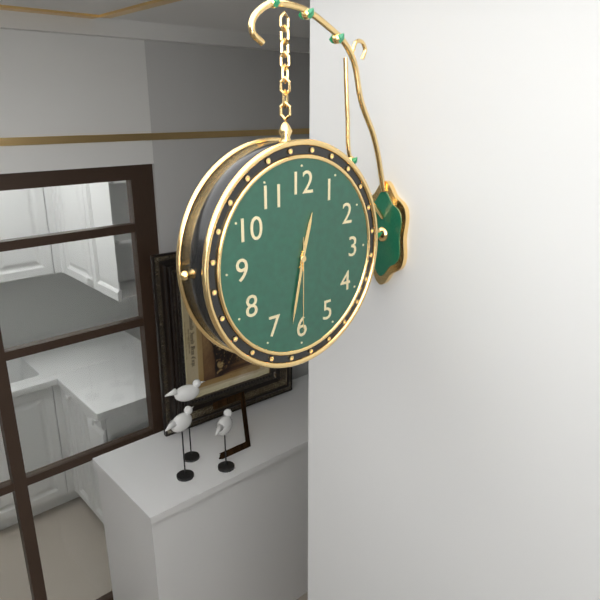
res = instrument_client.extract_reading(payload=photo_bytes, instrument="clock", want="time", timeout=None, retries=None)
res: 12:32:30
